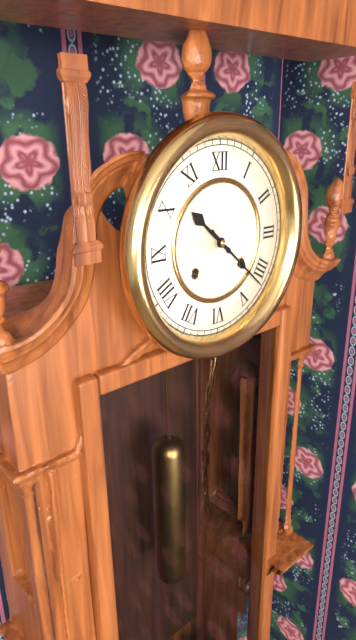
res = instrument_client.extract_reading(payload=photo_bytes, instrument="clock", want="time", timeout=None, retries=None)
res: 10:22
